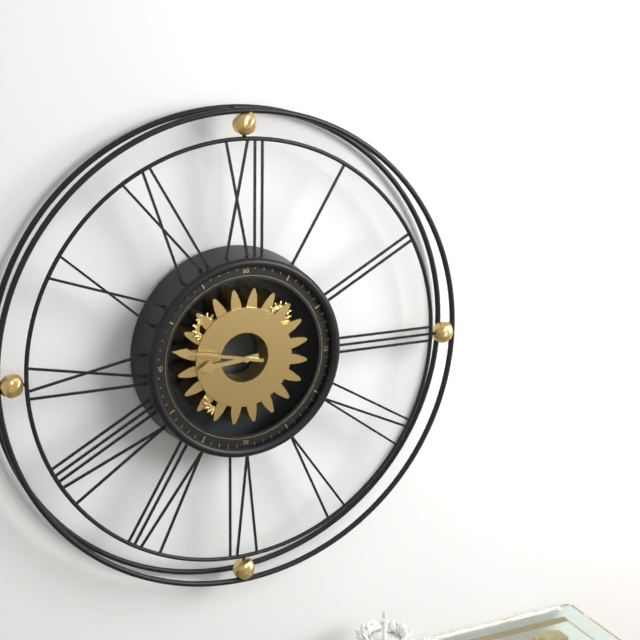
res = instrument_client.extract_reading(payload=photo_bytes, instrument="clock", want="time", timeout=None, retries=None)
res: 8:47
